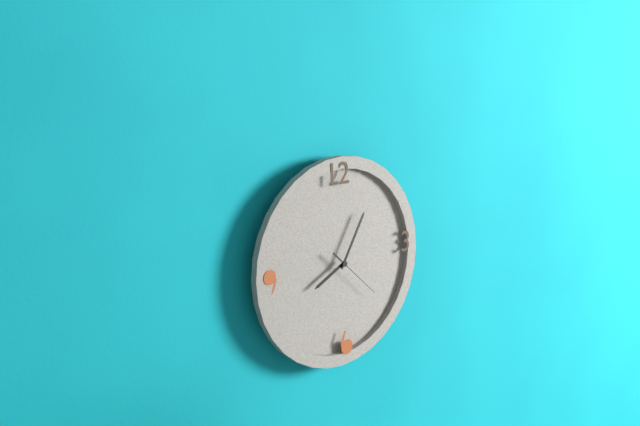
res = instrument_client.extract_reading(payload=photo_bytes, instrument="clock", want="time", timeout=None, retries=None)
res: 8:05:22
